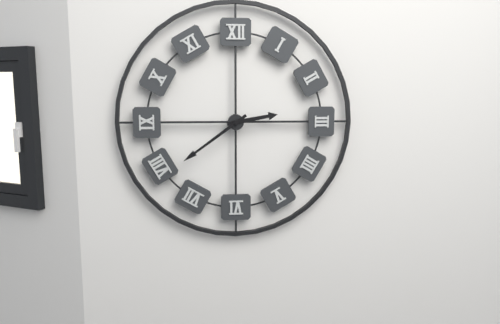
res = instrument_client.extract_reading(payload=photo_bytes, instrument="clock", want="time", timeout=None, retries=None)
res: 2:39
